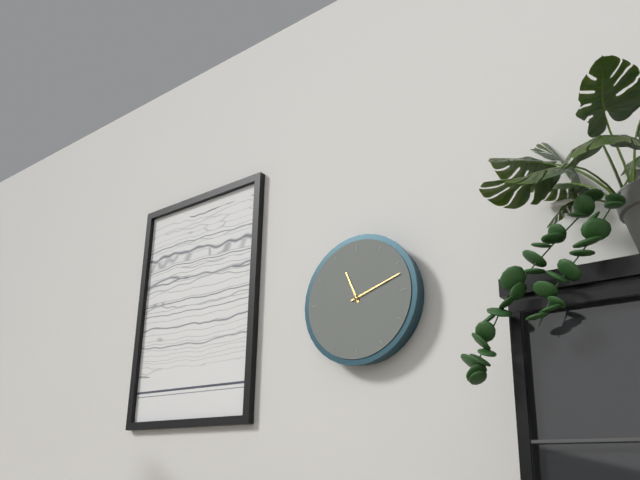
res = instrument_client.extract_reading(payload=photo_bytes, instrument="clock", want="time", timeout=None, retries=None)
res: 11:12
